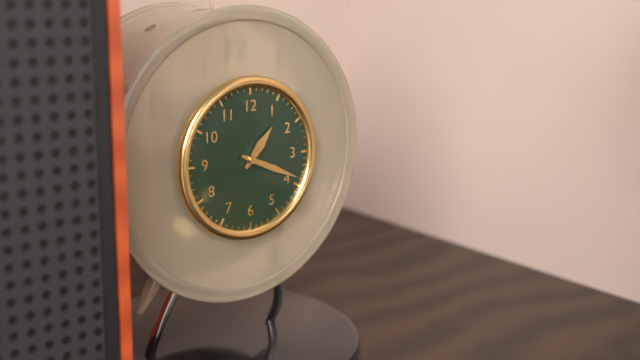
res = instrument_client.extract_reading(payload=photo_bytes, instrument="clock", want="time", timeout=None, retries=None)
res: 1:19
